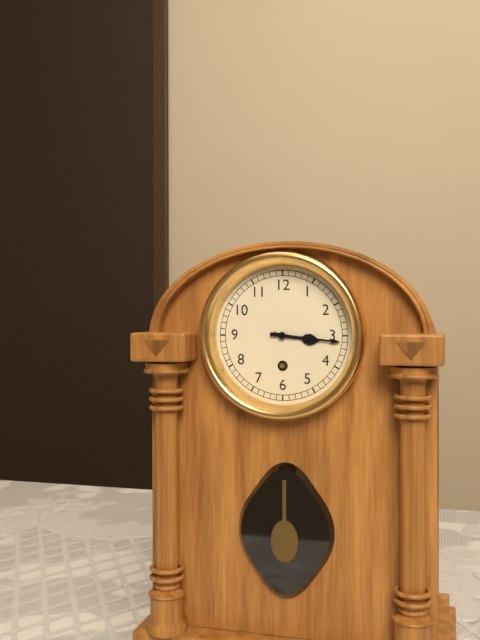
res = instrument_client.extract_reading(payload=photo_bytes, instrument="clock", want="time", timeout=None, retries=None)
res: 3:16
